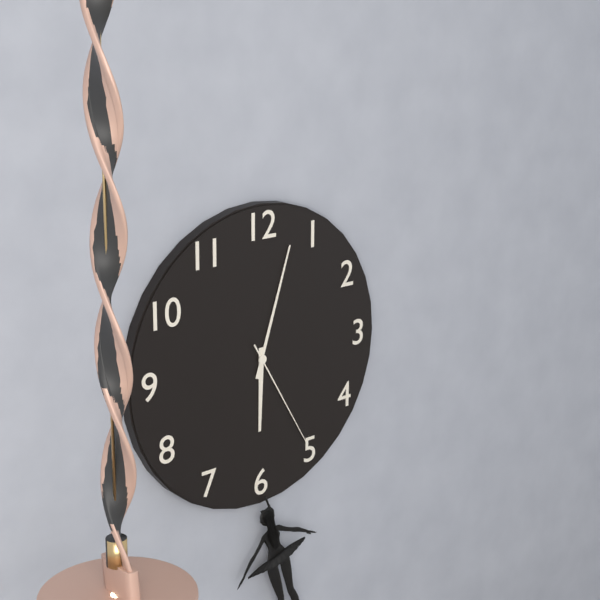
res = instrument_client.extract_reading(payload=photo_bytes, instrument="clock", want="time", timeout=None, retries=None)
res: 6:03:25
